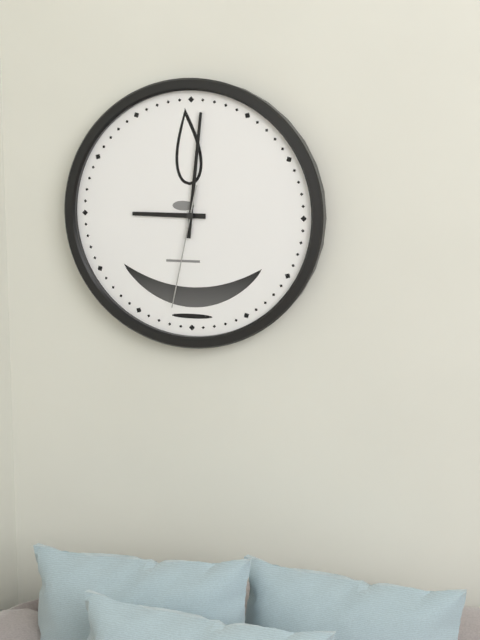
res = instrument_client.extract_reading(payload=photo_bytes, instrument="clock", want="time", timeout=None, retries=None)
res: 9:01:32
